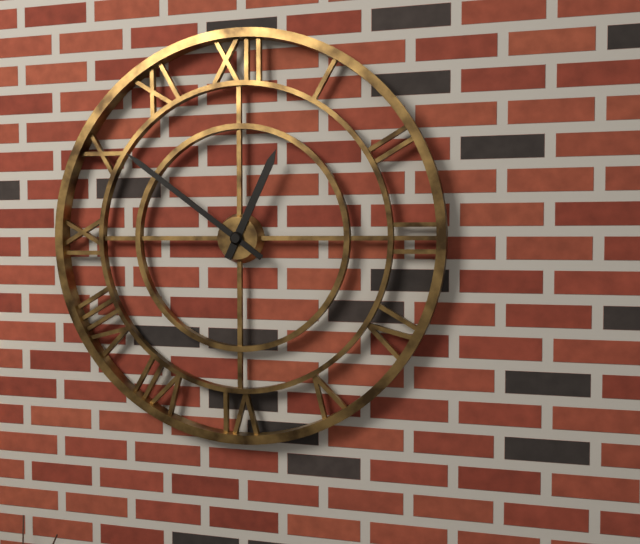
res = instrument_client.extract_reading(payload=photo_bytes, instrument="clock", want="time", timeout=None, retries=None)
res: 12:51
